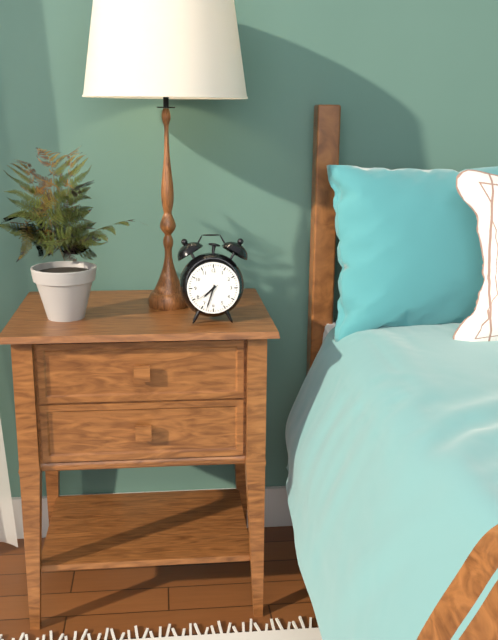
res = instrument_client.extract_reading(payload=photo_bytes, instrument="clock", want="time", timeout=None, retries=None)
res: 7:33
